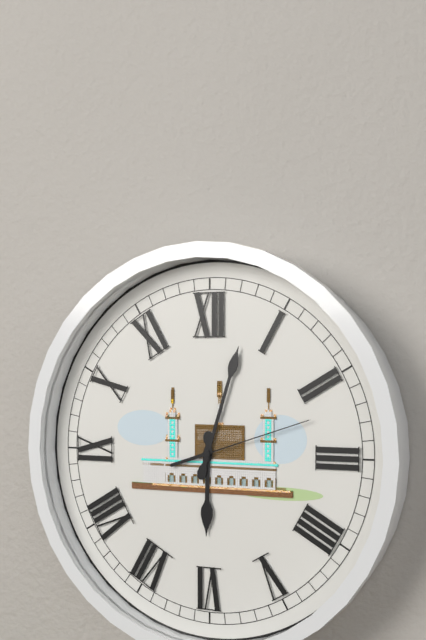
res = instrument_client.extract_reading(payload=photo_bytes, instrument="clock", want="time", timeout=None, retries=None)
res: 6:03:12
